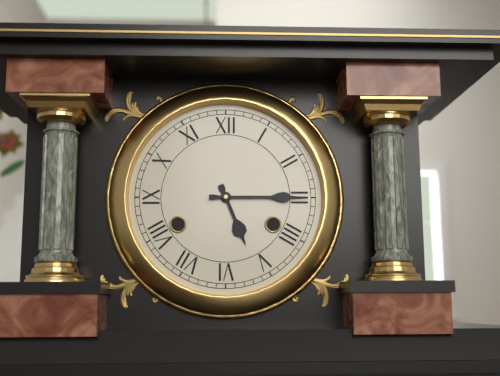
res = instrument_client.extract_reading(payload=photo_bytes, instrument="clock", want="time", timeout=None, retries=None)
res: 5:15
